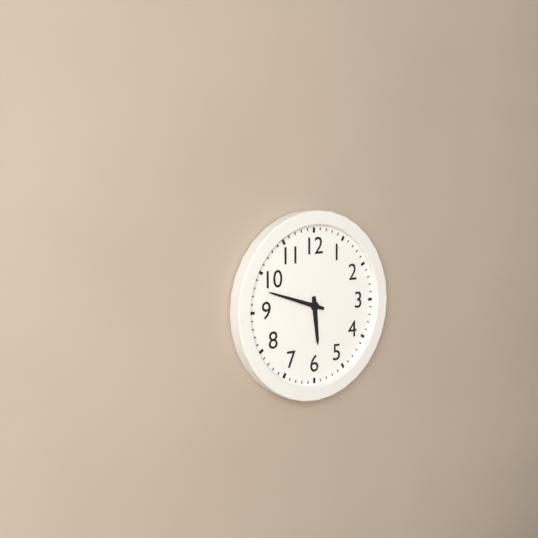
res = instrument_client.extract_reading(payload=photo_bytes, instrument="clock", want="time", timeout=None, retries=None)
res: 5:48
